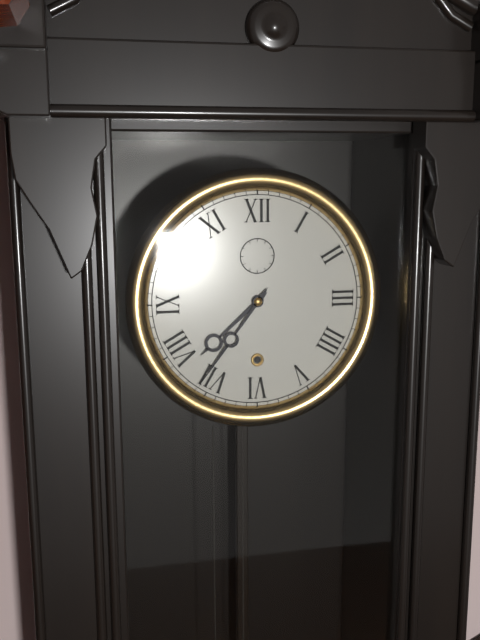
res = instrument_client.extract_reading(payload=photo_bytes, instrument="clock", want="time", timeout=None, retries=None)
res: 7:36
